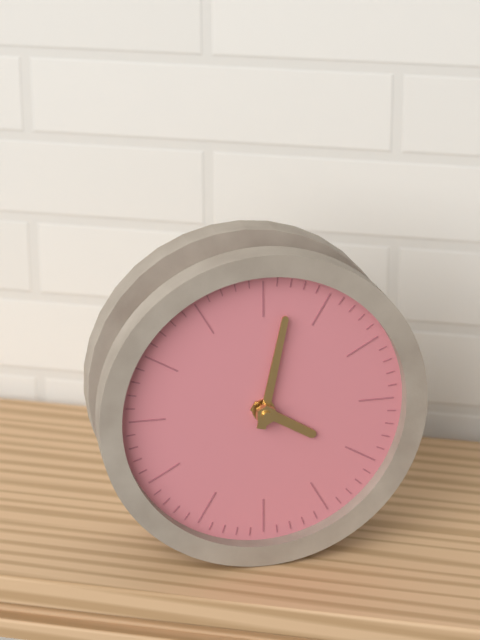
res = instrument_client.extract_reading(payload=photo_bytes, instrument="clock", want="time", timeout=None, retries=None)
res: 4:02
